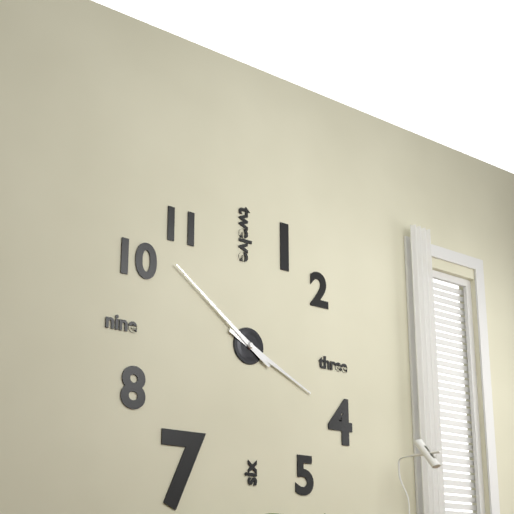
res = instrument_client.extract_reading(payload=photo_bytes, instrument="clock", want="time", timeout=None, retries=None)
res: 3:51
